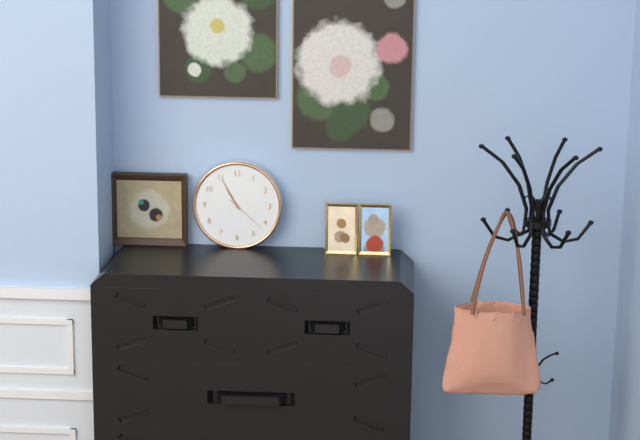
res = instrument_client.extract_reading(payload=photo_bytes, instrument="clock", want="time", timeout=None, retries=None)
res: 10:55
